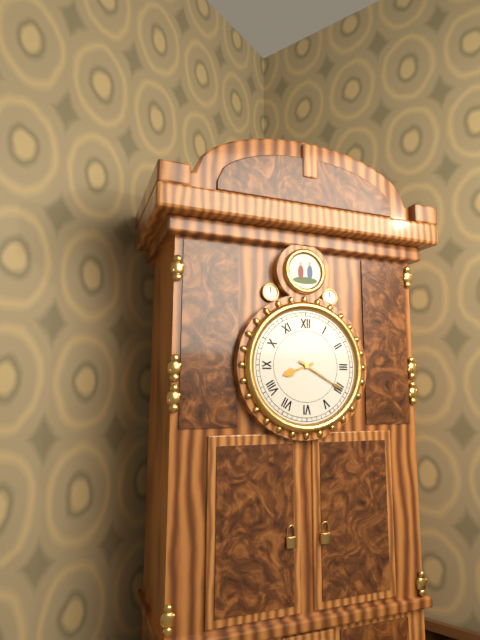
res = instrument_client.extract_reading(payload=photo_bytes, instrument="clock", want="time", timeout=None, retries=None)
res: 8:20
